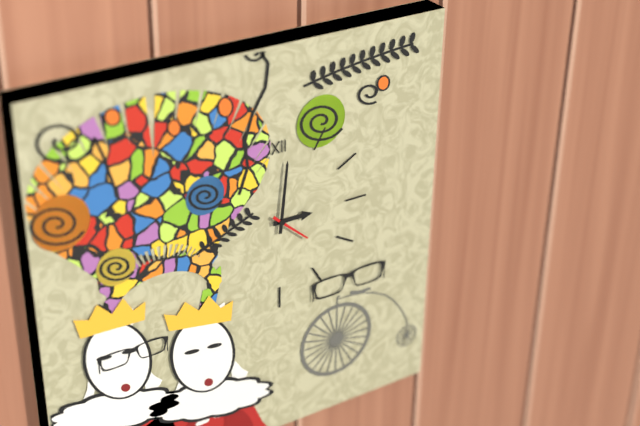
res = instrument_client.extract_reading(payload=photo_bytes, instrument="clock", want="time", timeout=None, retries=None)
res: 3:01
